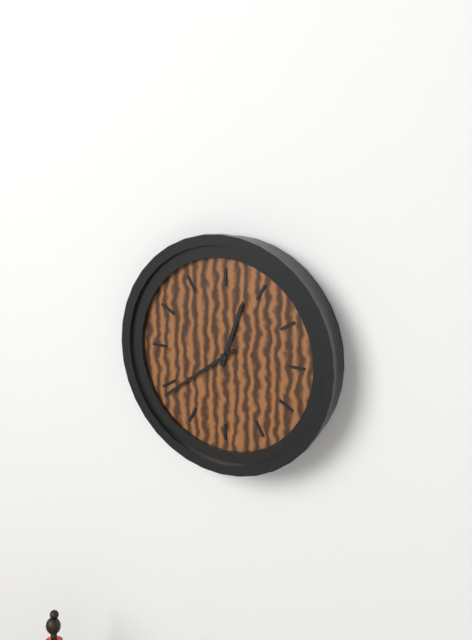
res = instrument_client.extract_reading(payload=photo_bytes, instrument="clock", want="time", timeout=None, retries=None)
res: 12:39
